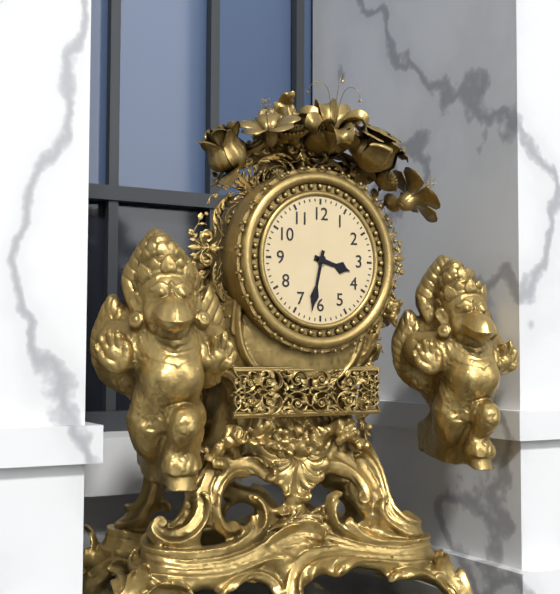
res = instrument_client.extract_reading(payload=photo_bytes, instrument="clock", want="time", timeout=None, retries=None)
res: 3:32
